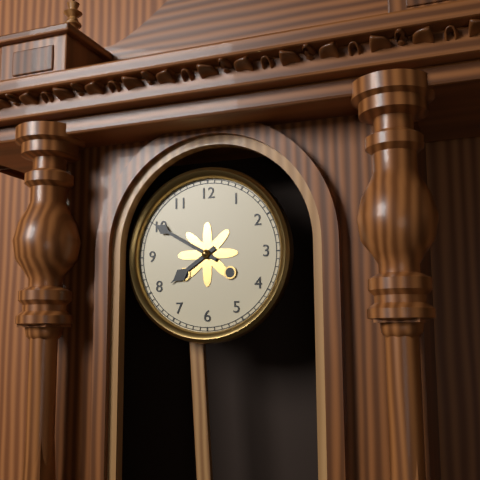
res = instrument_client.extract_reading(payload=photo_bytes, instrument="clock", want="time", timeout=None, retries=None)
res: 7:50
